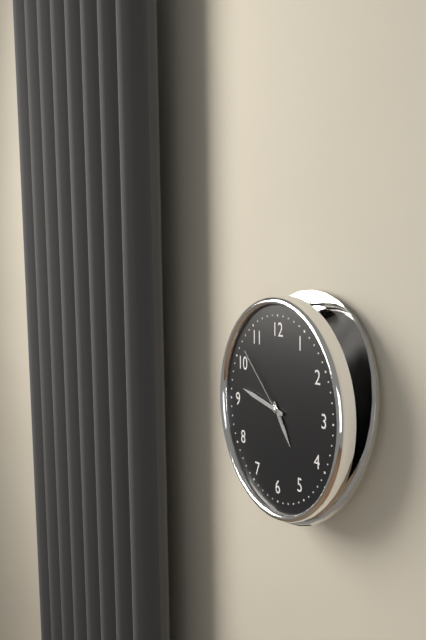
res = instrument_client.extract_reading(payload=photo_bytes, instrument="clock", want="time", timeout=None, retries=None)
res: 4:47:52
